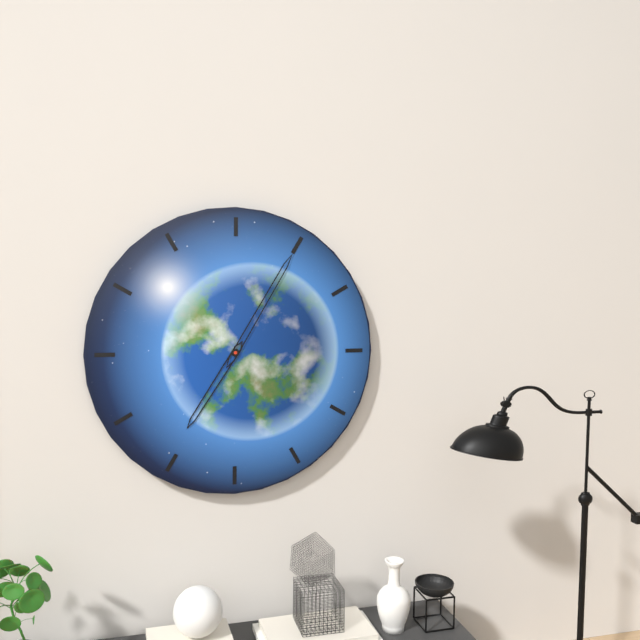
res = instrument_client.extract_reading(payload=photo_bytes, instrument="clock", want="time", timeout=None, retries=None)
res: 7:05
